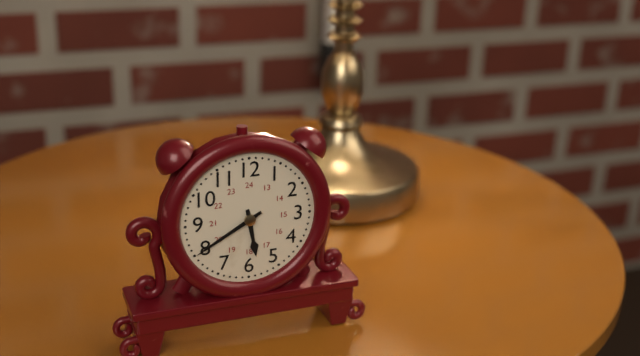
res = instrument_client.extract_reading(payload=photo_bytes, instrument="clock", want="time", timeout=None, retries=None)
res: 5:40
